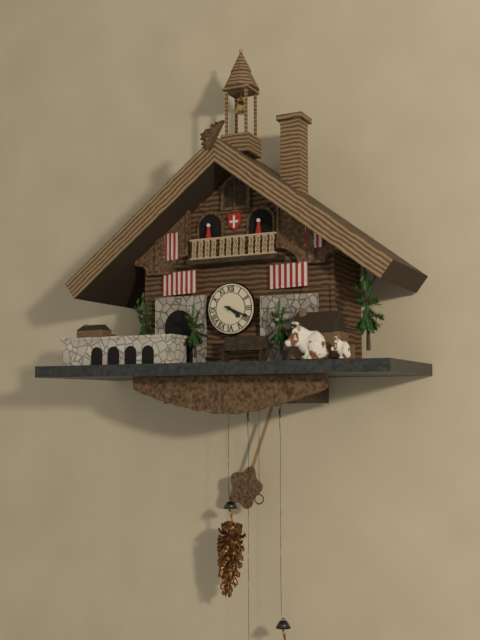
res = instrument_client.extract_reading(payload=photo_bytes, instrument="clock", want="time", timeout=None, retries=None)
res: 4:19
